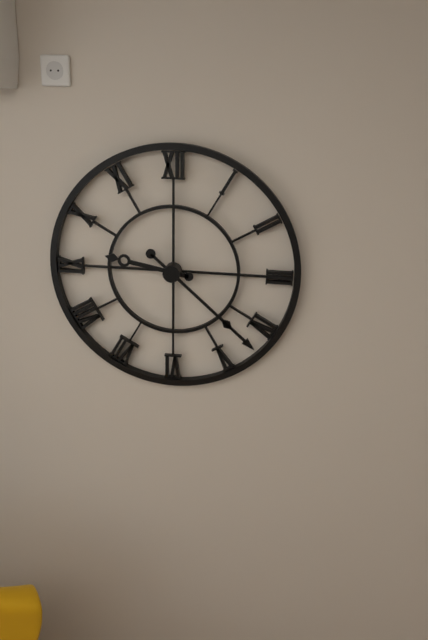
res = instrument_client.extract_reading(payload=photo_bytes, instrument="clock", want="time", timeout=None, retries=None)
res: 9:22
